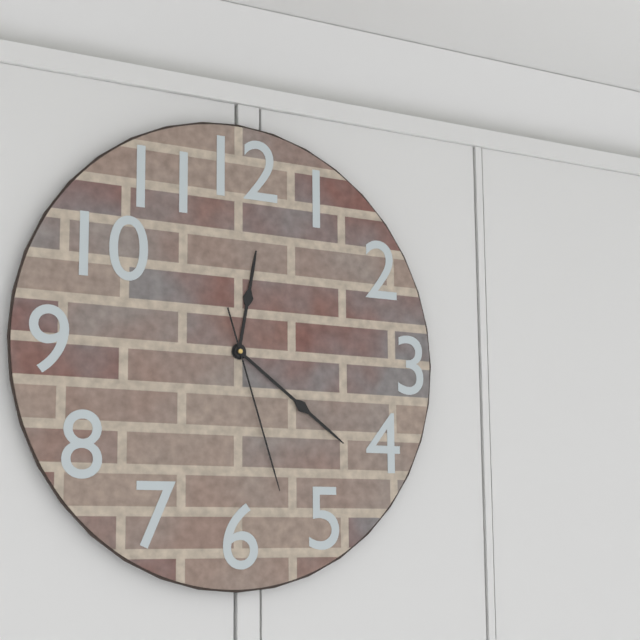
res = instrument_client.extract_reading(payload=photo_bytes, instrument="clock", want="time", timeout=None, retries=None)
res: 12:21:27
